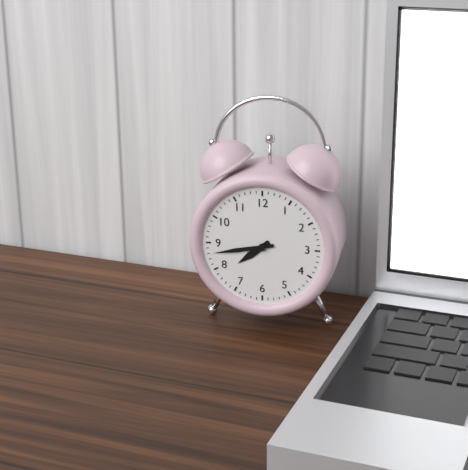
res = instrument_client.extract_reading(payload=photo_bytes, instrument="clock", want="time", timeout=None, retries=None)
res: 7:43
